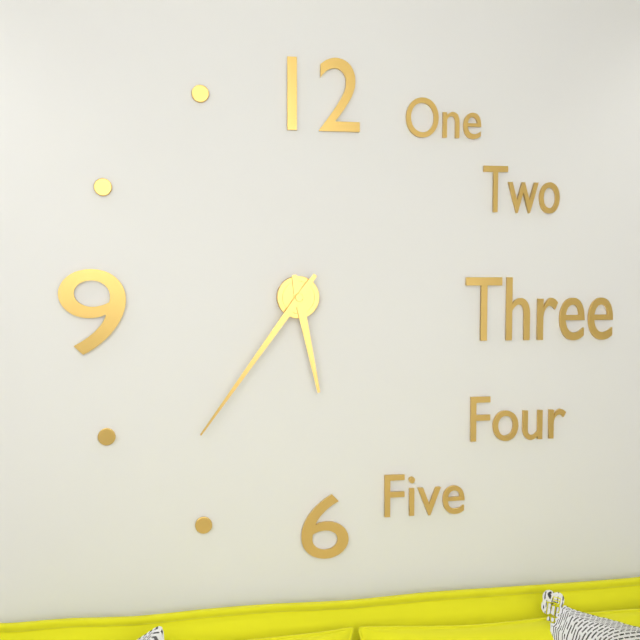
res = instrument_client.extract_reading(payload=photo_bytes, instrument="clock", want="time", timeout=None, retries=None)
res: 5:36
